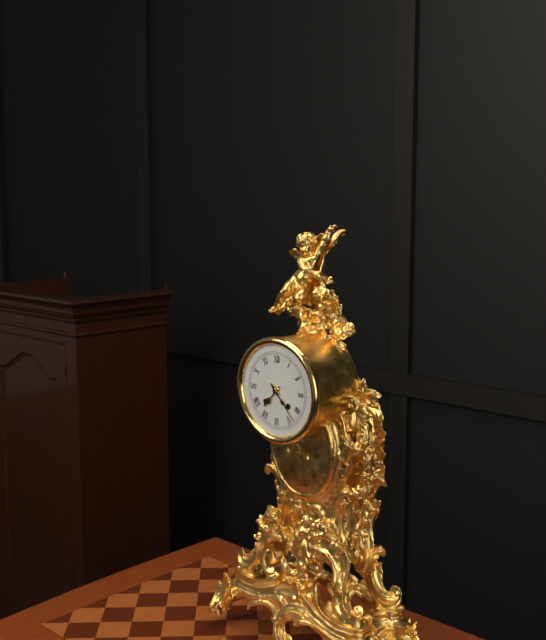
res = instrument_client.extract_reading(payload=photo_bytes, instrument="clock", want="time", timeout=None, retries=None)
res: 7:23
